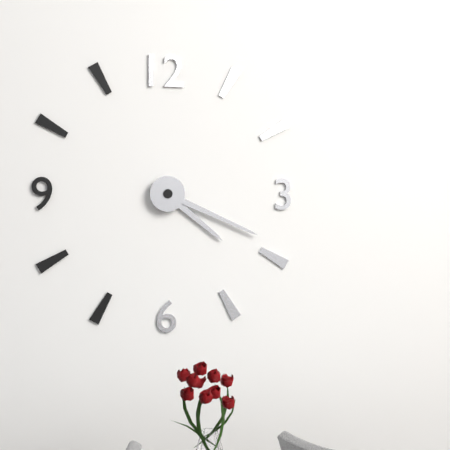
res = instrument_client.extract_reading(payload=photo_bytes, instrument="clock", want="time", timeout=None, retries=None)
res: 4:19
